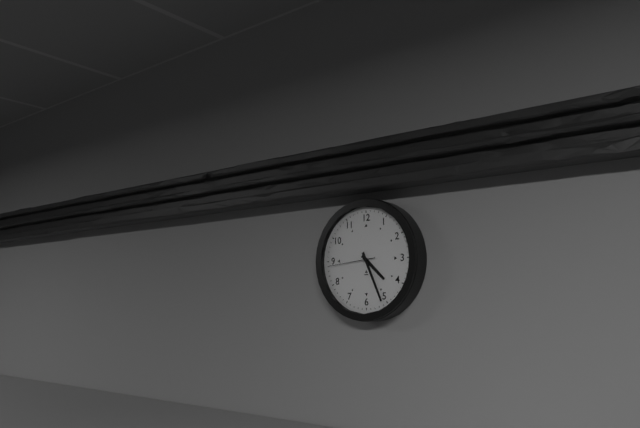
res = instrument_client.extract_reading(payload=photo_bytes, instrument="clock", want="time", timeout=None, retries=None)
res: 4:26
